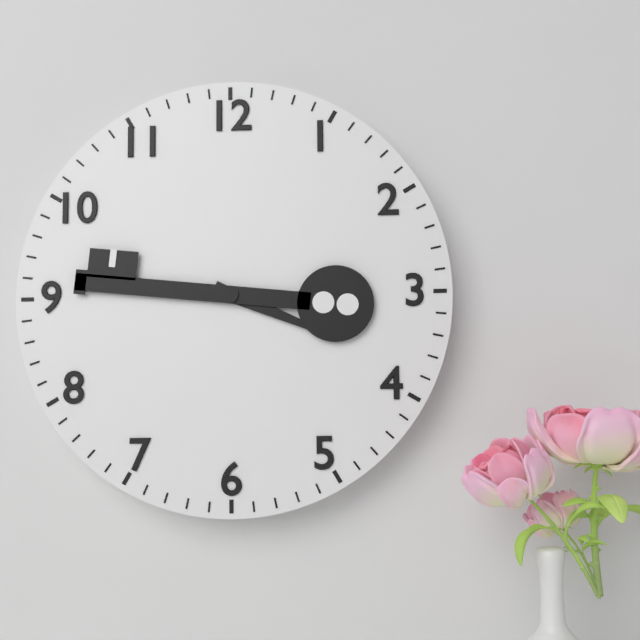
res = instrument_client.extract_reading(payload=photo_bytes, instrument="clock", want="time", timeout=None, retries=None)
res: 3:46
